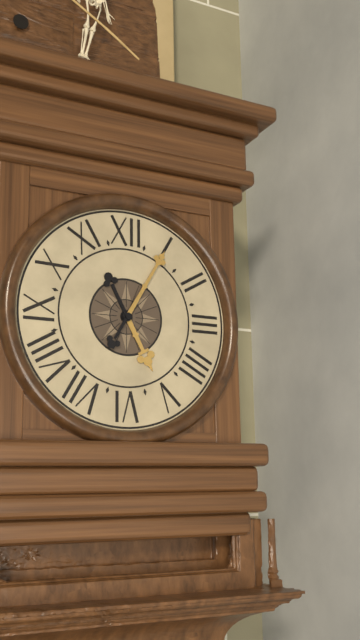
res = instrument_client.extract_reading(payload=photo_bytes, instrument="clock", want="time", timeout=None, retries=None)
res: 5:05
